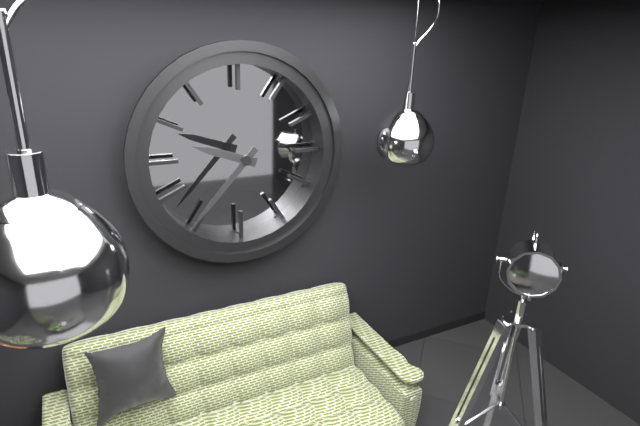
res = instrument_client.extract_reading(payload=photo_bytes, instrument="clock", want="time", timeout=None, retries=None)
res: 9:37
